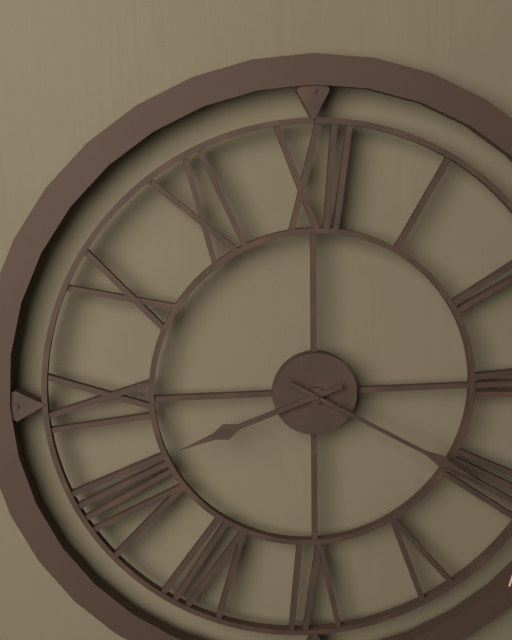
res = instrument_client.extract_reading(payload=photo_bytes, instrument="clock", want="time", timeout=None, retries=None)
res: 8:20
